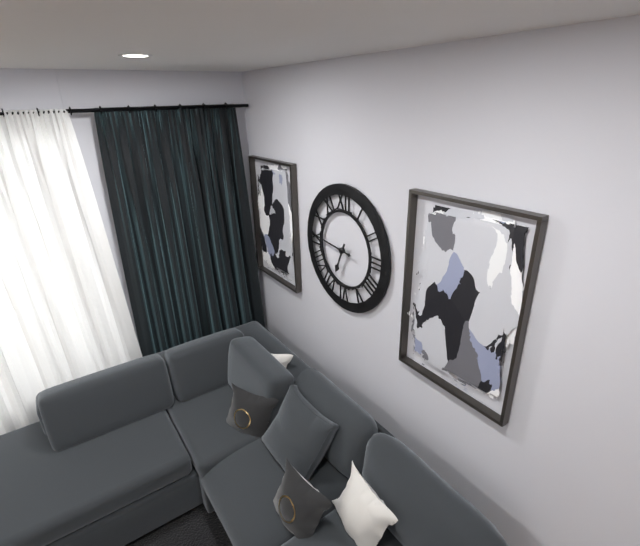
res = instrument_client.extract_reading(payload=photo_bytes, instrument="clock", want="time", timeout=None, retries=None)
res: 6:46
